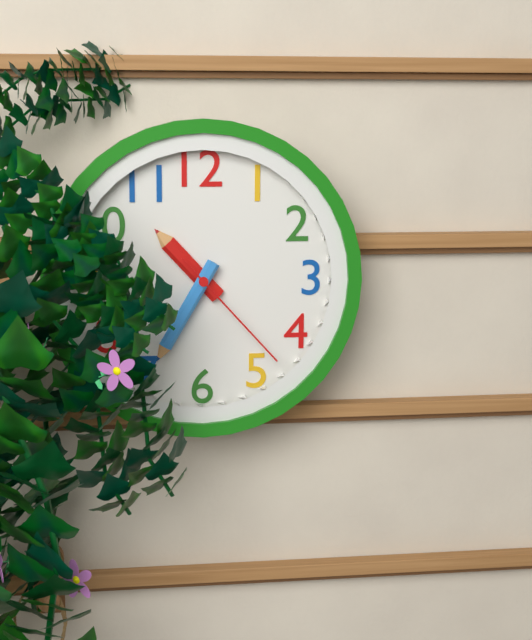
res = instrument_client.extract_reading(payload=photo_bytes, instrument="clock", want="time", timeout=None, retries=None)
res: 10:35:23
